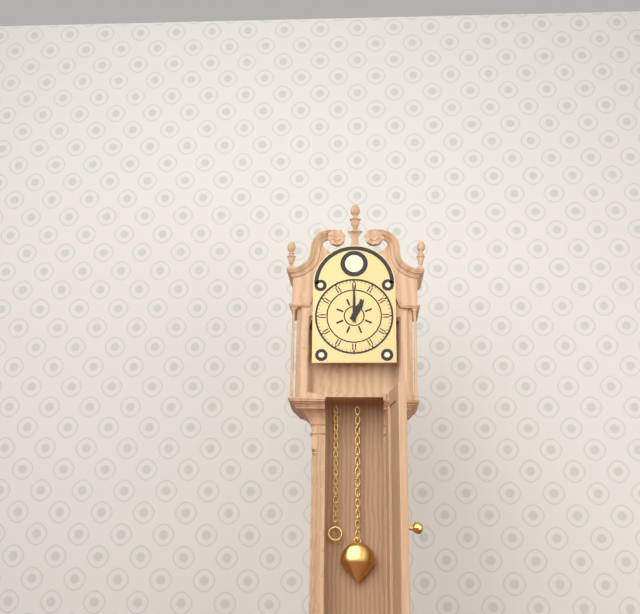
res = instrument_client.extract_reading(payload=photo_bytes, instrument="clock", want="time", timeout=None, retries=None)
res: 1:00
